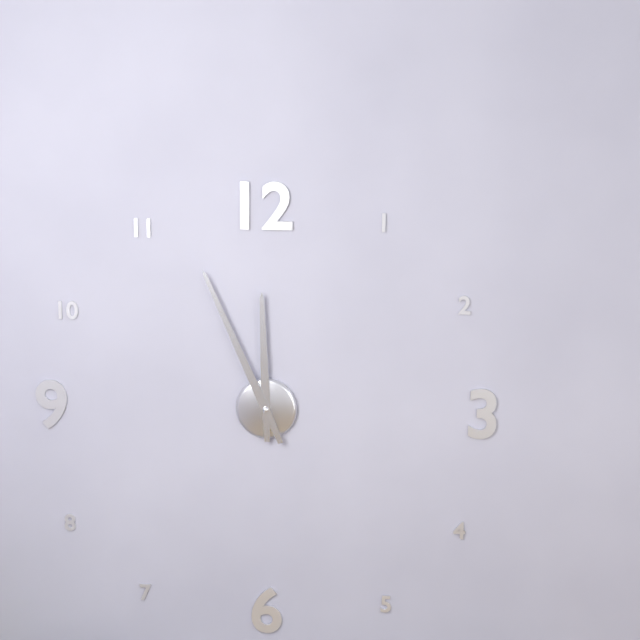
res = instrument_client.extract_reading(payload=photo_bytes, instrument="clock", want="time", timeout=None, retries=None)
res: 11:56
